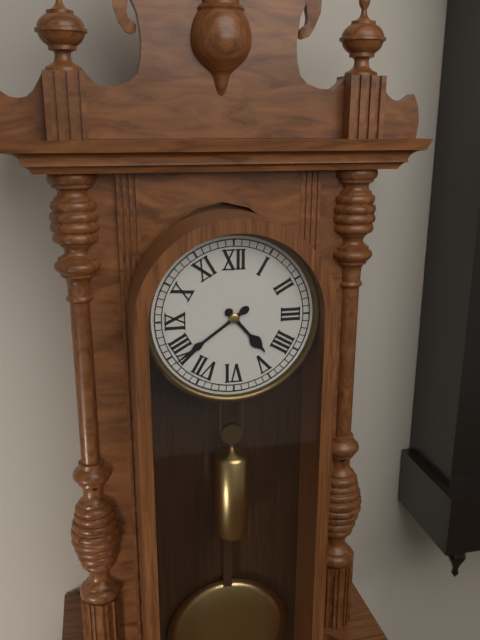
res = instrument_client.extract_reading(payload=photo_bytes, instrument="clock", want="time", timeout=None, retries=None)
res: 4:39
